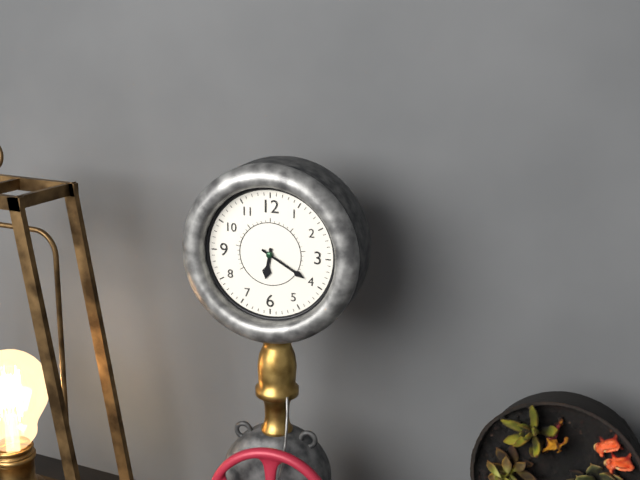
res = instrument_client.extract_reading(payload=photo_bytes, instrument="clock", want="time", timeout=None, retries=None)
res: 6:20
